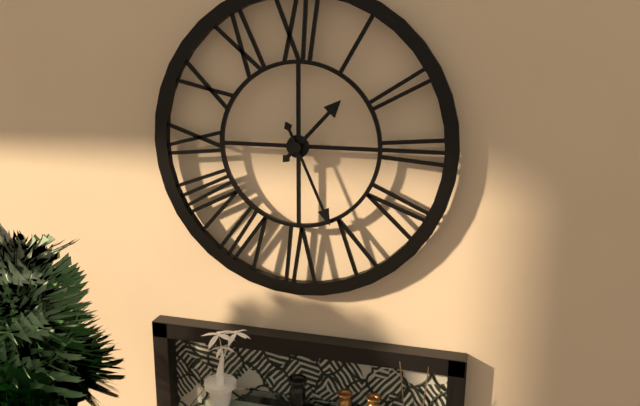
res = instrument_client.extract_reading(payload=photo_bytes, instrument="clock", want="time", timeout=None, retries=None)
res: 1:26
